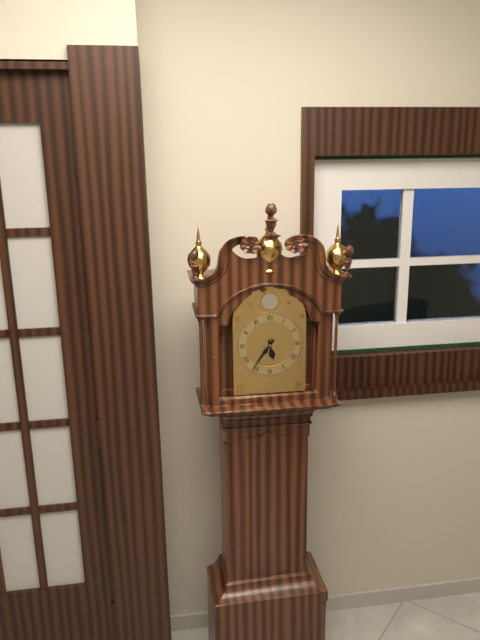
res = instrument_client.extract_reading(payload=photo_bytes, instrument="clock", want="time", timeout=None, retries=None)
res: 5:36
